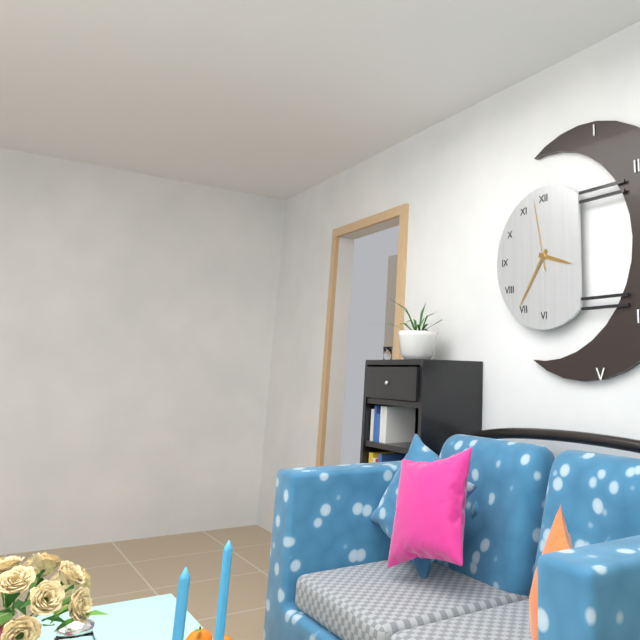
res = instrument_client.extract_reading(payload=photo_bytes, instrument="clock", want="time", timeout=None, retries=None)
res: 3:36:58
